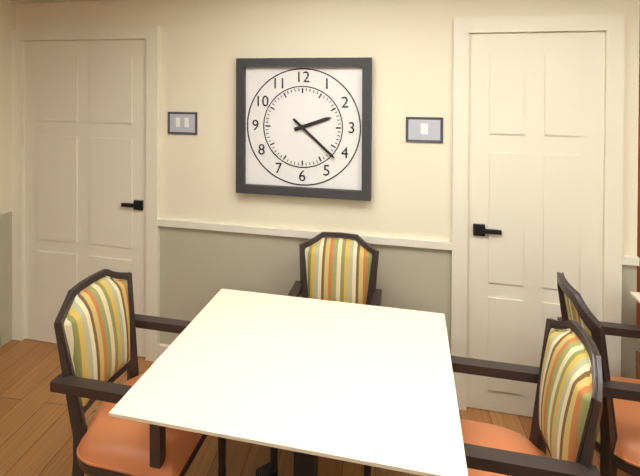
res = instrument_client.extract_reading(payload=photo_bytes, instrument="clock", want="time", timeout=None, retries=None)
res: 2:22
